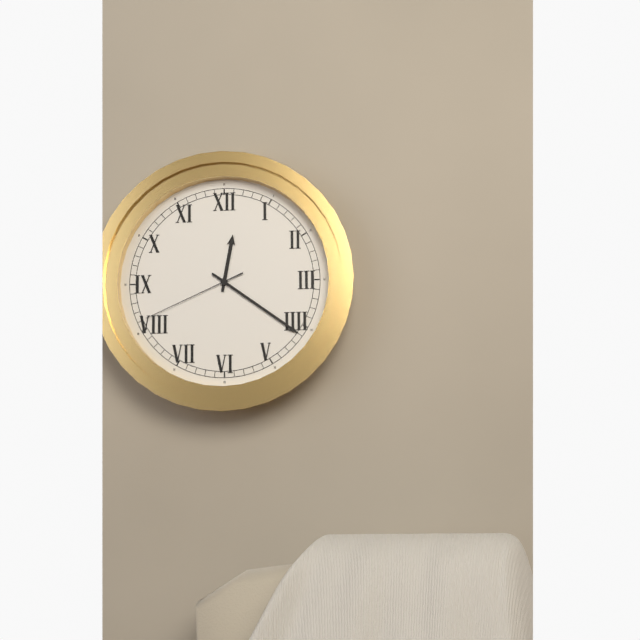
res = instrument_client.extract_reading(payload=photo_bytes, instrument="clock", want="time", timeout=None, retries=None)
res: 12:21:41
